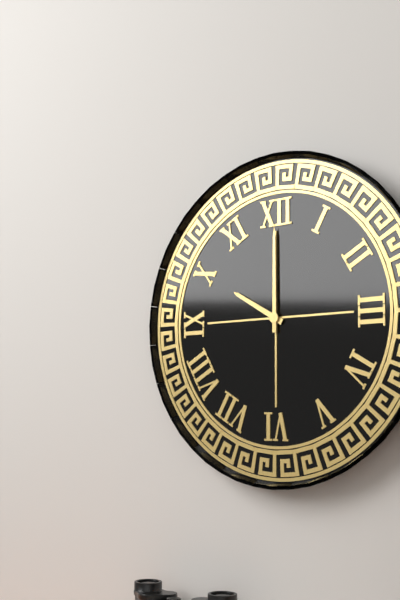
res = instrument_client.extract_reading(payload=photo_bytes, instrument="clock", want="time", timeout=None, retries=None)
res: 10:00
